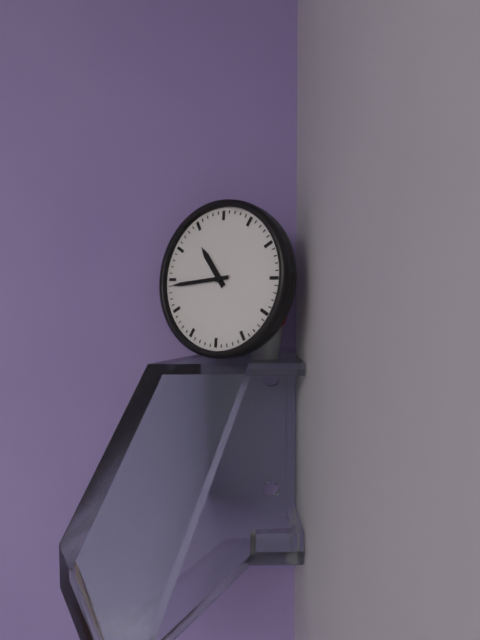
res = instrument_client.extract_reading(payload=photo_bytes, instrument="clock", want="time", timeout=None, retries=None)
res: 10:44
